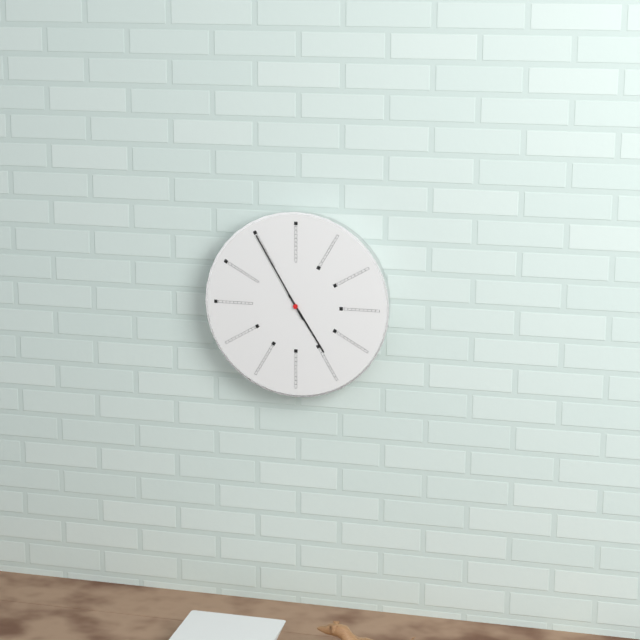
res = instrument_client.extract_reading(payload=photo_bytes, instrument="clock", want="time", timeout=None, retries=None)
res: 4:55
